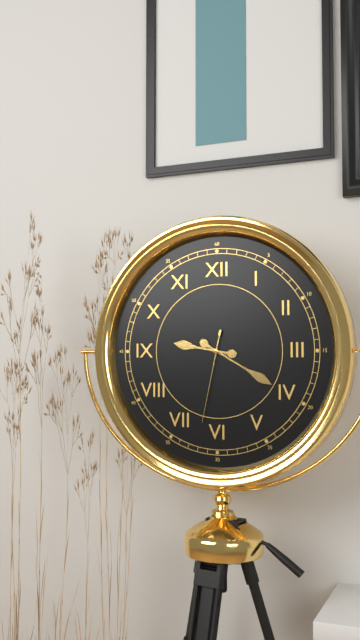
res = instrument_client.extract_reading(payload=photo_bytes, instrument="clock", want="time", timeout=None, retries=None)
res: 9:20:32
